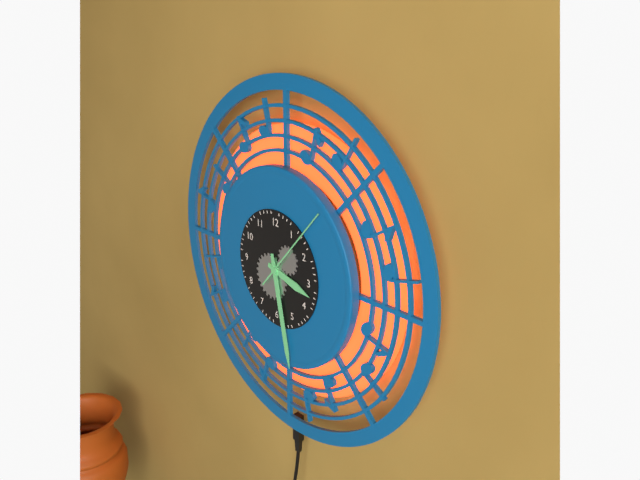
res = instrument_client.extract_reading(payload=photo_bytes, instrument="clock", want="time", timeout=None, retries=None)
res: 3:28:07
